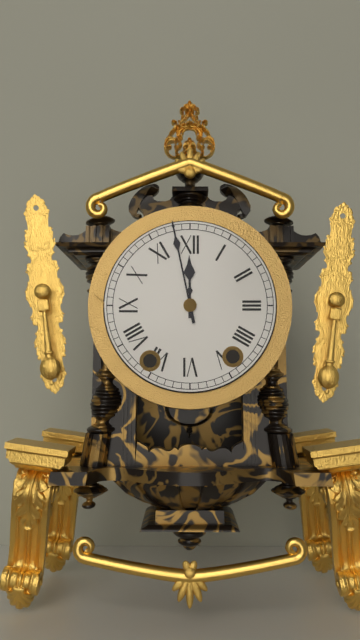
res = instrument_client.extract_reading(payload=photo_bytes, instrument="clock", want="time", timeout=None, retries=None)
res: 11:58
